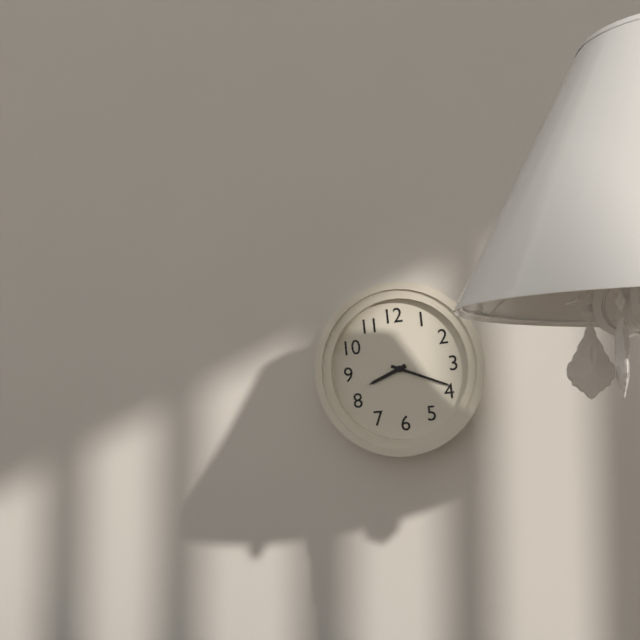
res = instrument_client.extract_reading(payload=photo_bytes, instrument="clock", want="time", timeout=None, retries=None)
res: 8:19
